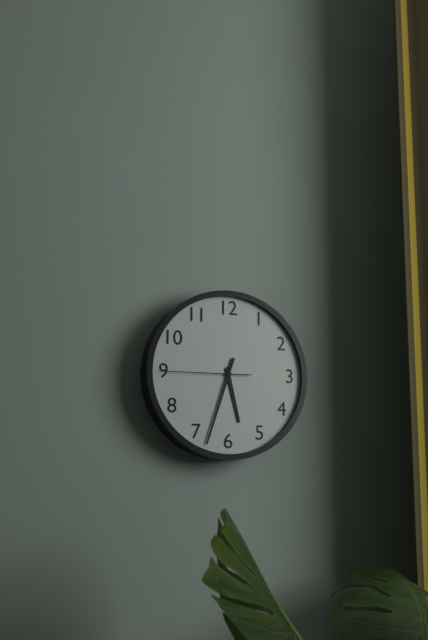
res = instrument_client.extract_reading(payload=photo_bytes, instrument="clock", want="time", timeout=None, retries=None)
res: 5:33:45
